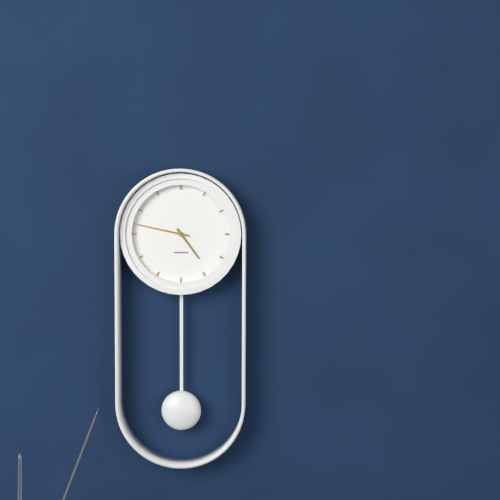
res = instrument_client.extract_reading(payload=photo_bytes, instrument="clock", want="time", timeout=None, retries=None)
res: 4:47
